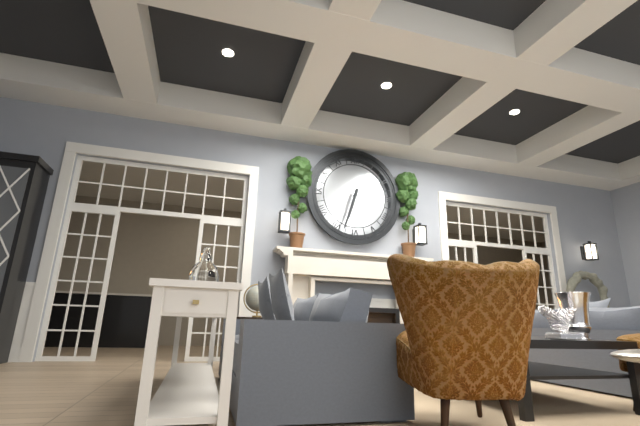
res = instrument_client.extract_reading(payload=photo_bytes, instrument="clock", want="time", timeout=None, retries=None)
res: 6:33
